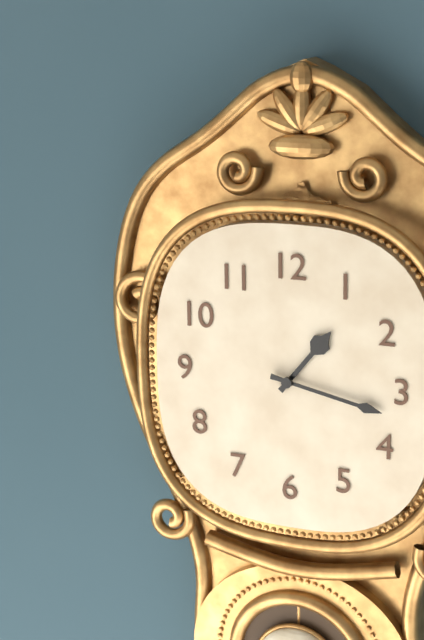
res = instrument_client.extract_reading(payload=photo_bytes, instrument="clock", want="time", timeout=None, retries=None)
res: 1:17
